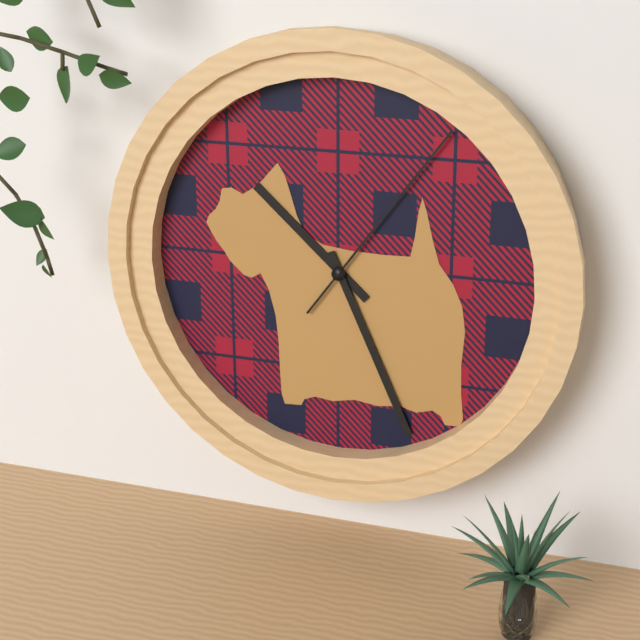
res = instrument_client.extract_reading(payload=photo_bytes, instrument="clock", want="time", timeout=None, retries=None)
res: 10:26:06
